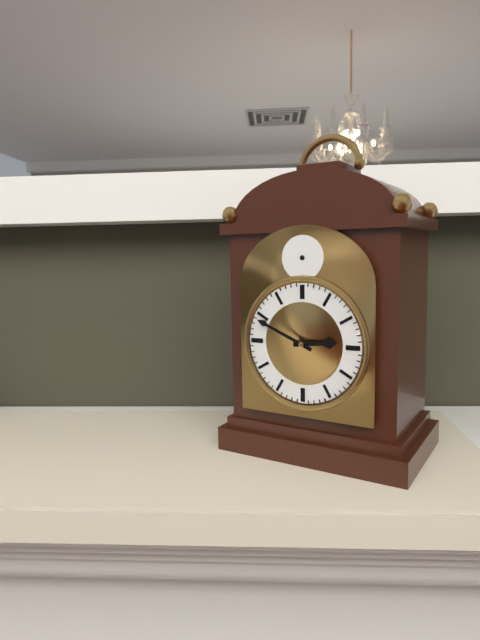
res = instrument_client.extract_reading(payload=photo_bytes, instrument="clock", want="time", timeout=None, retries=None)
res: 2:49
